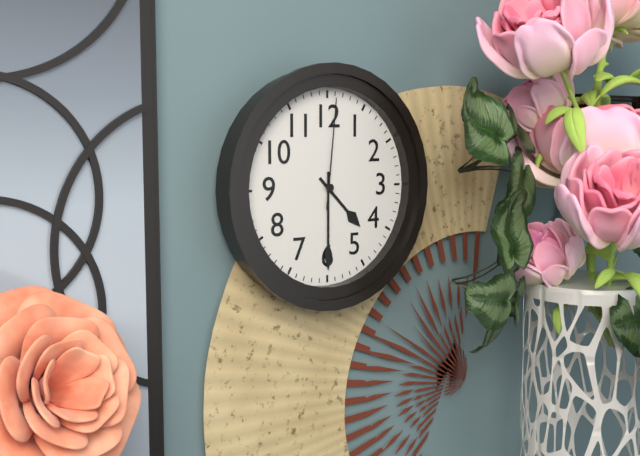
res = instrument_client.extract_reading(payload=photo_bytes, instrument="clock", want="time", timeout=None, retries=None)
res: 4:30:01
